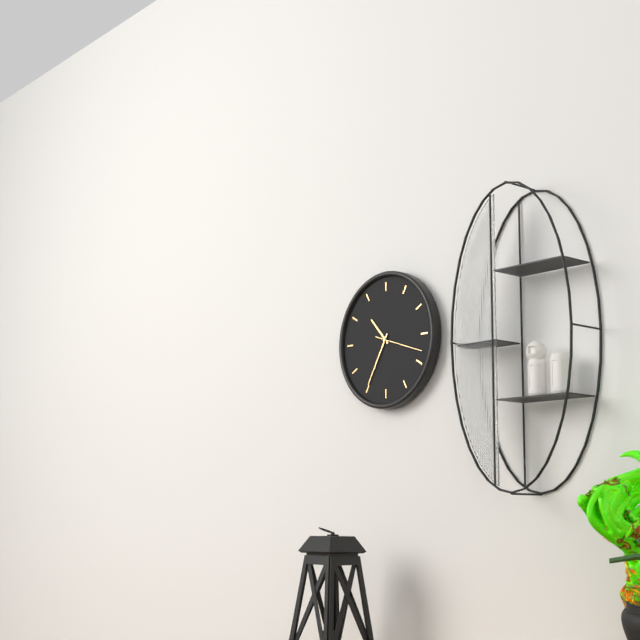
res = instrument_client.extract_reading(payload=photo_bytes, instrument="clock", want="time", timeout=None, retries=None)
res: 10:35
